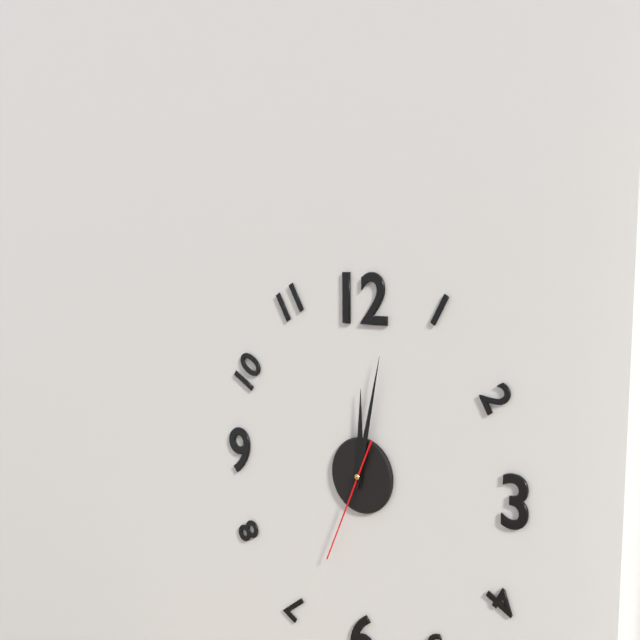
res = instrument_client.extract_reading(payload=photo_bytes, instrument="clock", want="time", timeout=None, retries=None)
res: 12:02:34
